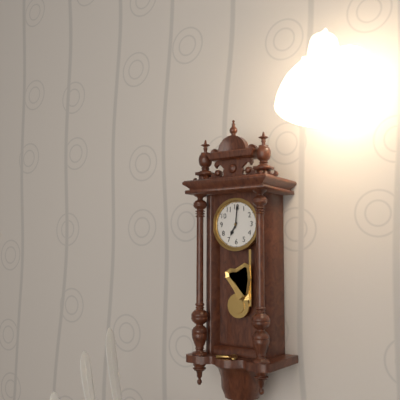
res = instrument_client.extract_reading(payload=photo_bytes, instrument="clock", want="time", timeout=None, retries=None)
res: 7:01
